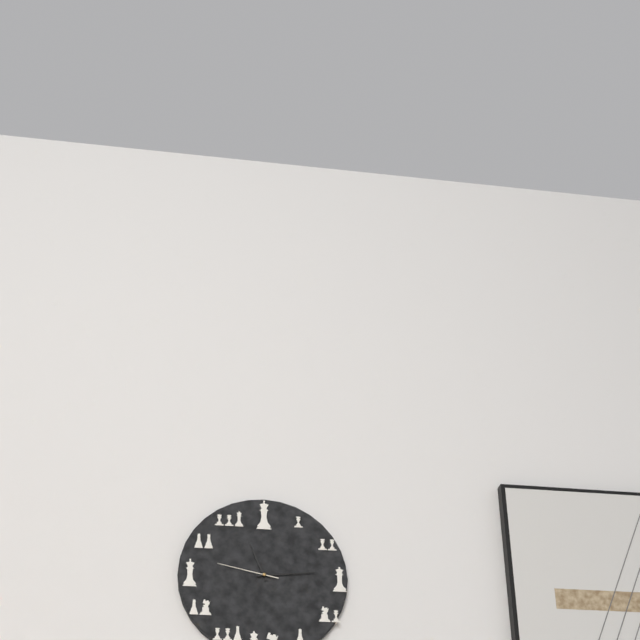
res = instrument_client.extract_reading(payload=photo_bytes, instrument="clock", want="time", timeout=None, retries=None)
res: 11:14:47
